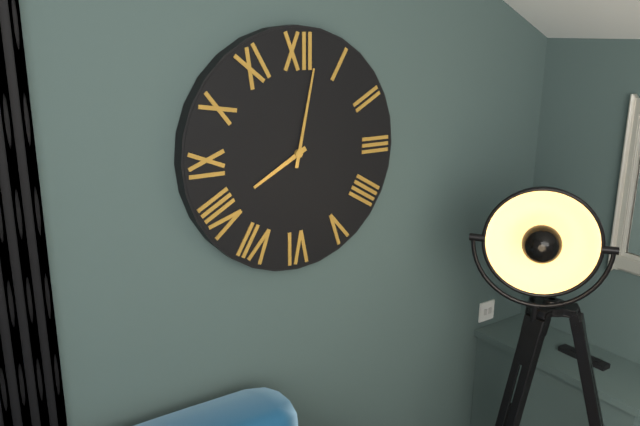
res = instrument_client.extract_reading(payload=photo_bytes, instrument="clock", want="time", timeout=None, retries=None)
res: 8:02
